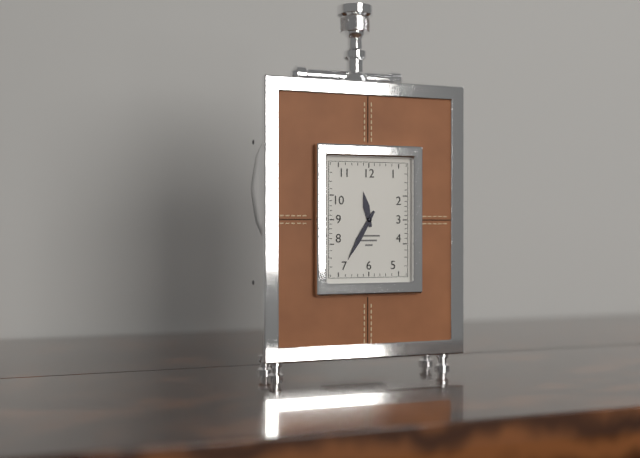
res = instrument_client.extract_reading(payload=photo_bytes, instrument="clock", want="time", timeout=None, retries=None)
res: 11:35
